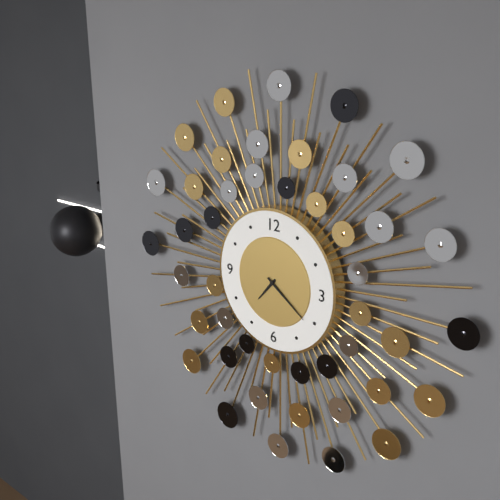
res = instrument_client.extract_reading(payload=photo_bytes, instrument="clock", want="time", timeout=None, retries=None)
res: 7:21
